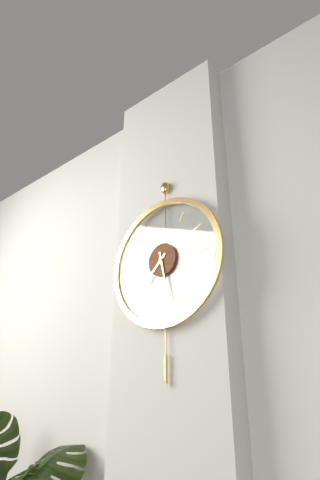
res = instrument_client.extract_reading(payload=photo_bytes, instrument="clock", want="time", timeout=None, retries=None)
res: 7:28
